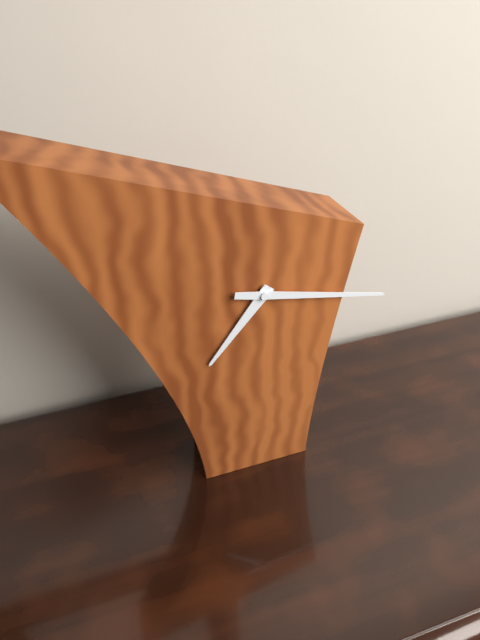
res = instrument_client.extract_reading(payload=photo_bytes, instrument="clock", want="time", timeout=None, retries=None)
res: 7:17
